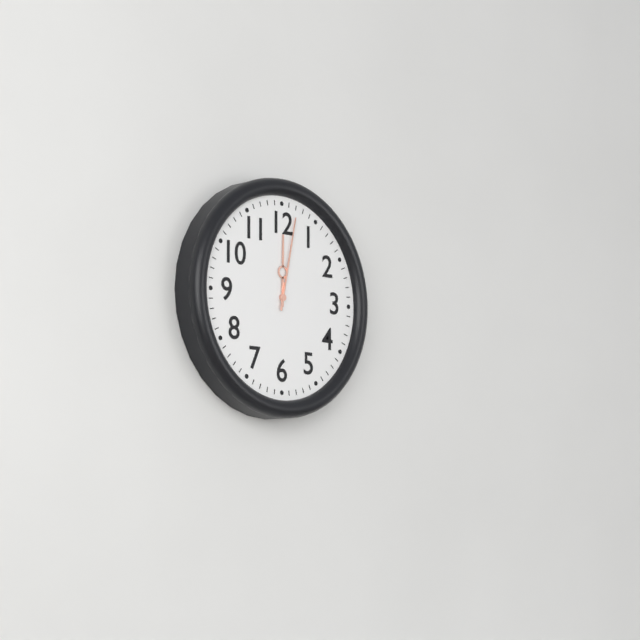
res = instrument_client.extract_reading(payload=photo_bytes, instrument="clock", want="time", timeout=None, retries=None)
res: 12:02
